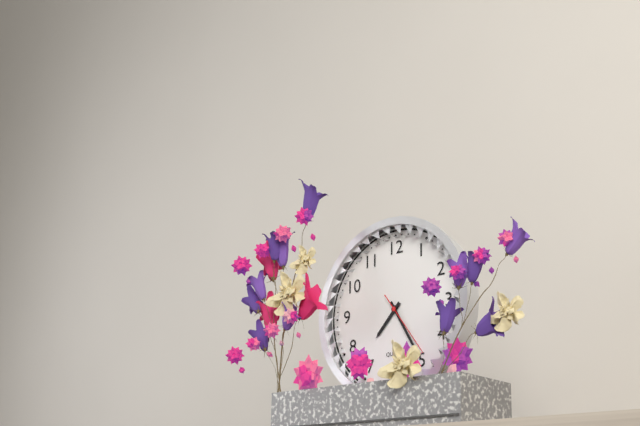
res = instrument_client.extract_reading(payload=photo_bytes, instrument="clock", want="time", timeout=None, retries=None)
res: 7:25:24
